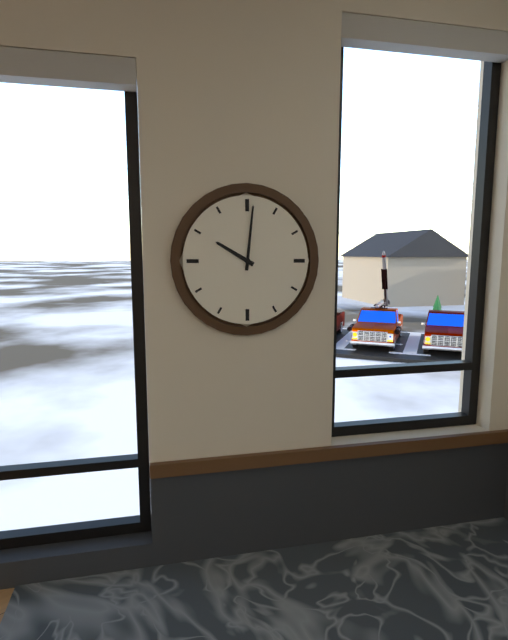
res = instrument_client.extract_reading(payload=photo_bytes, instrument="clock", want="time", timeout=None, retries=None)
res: 10:01
